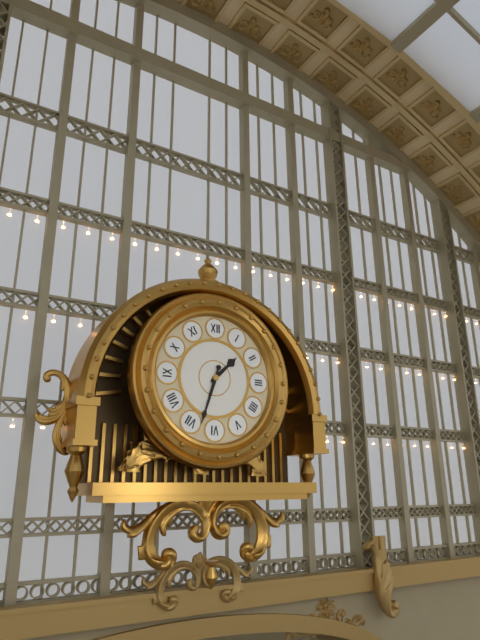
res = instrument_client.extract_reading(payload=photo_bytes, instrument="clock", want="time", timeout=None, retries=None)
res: 1:33
